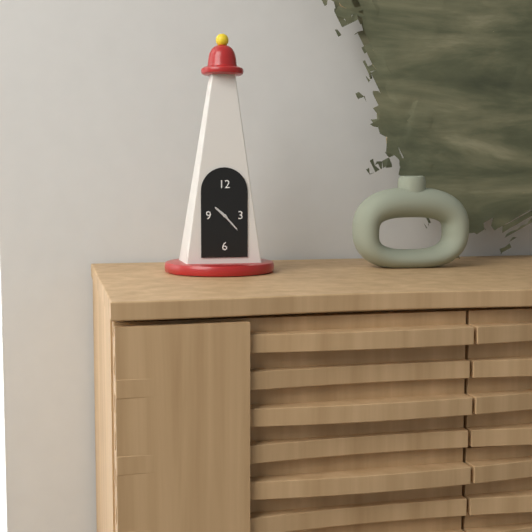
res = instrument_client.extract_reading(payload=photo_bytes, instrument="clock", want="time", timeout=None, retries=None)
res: 10:23
